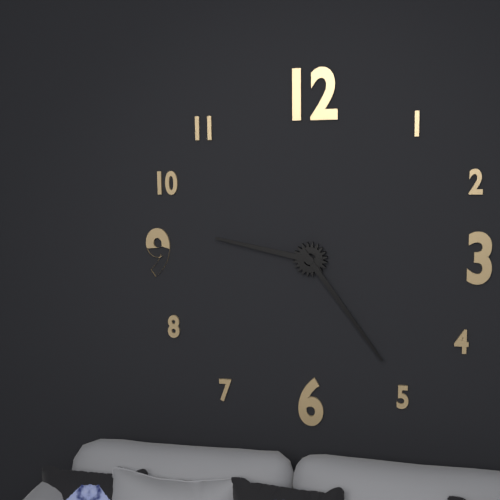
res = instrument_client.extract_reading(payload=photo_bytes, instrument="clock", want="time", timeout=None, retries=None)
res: 9:24
